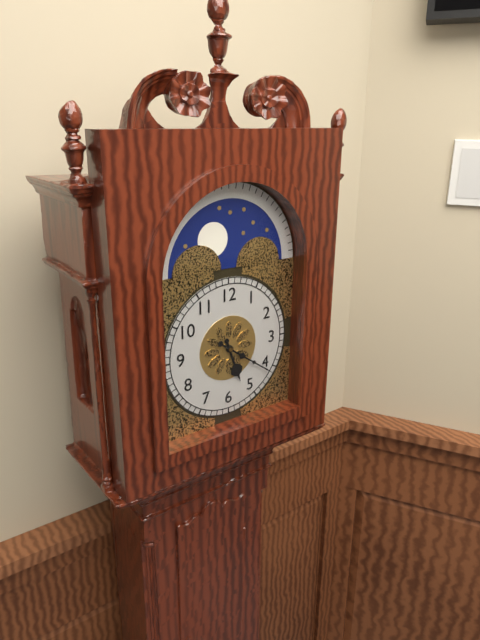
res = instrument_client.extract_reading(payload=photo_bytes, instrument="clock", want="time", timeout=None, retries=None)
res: 5:21
